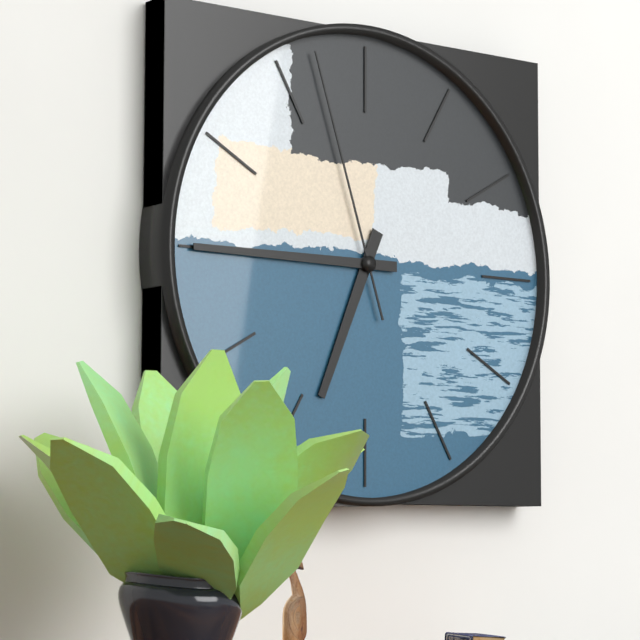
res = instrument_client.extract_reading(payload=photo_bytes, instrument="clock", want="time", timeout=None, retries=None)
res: 6:45:57
